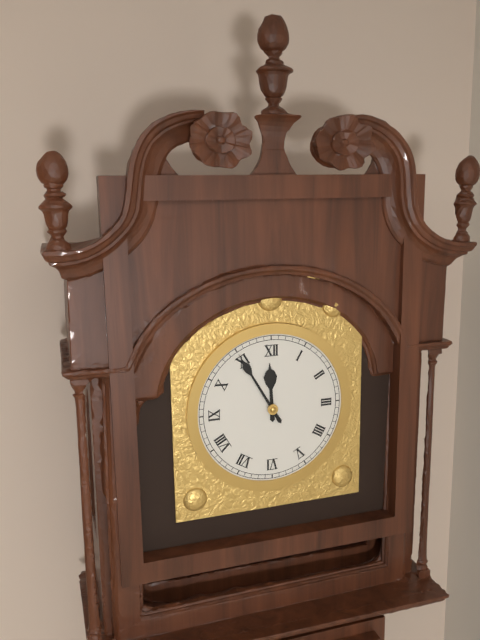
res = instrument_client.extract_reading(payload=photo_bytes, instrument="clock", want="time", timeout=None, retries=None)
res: 11:55
